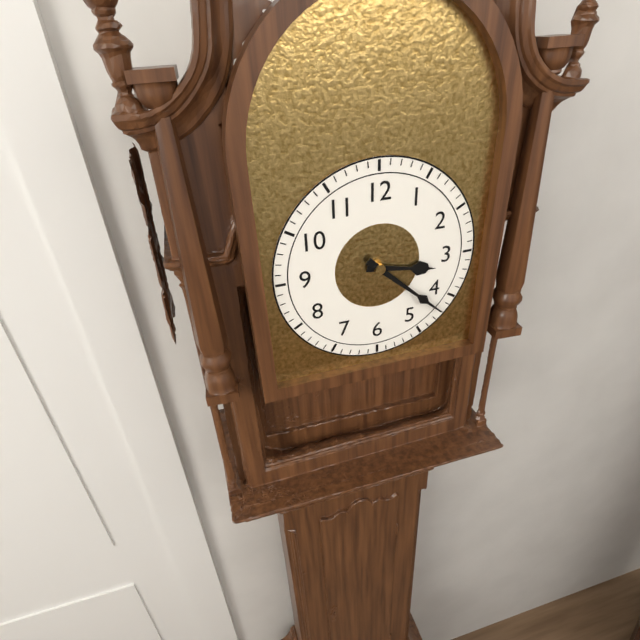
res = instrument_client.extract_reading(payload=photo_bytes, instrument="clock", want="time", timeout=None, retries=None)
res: 3:22
